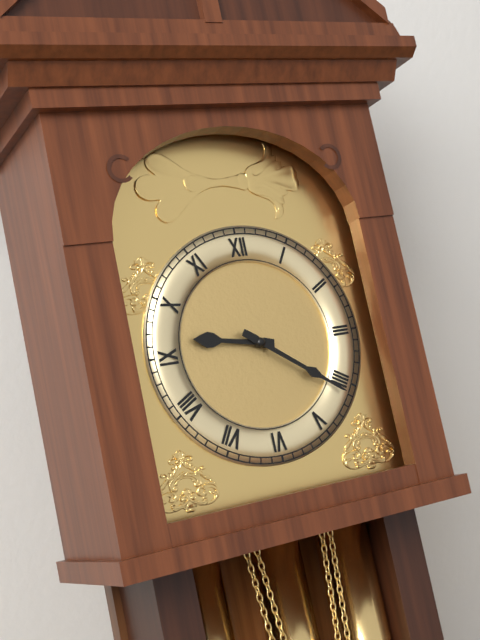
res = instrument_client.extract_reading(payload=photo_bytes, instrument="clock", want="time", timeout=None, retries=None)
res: 9:21
